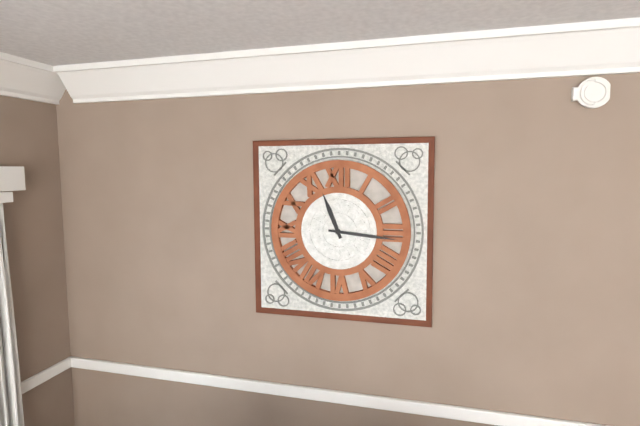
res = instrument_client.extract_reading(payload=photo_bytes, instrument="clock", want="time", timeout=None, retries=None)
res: 11:16
